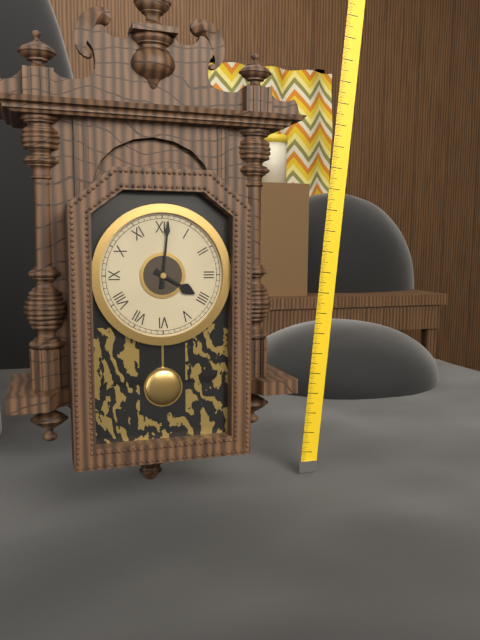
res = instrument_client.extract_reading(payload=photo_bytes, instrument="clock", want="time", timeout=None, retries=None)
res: 4:01
